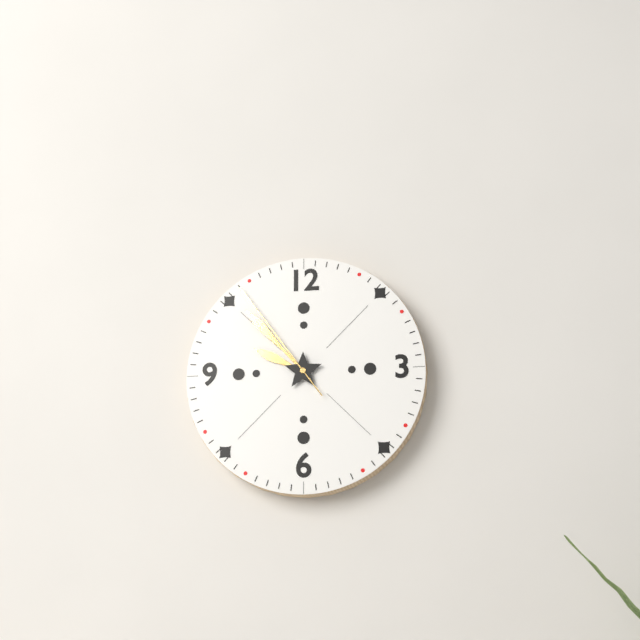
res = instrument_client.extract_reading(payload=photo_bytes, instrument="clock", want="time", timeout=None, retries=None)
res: 9:53:54
